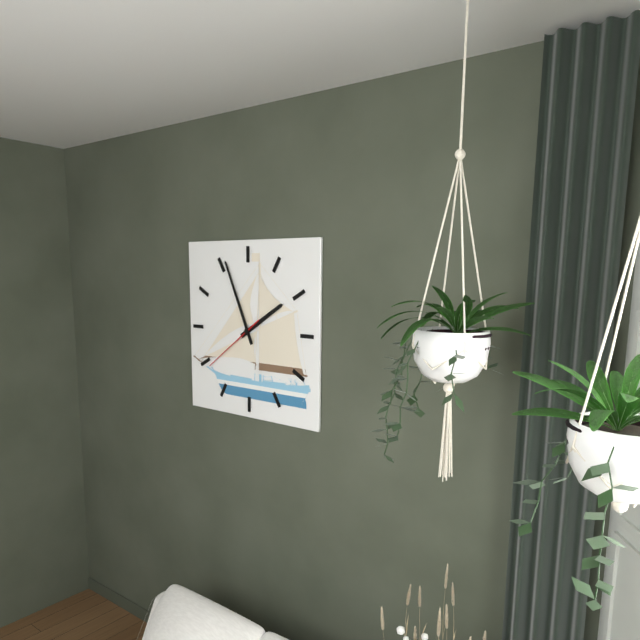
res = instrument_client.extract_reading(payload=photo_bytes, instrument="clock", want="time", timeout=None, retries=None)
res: 1:56:39
